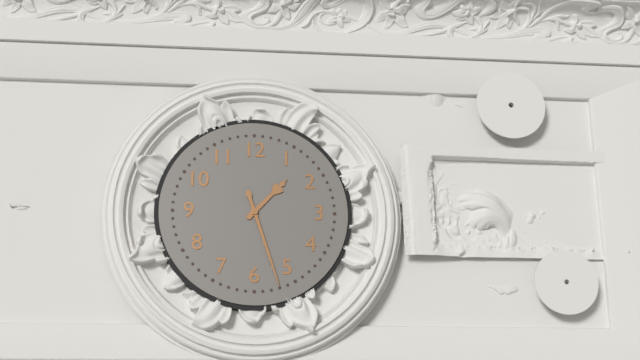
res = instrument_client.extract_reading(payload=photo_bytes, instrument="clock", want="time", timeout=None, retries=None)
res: 1:27
